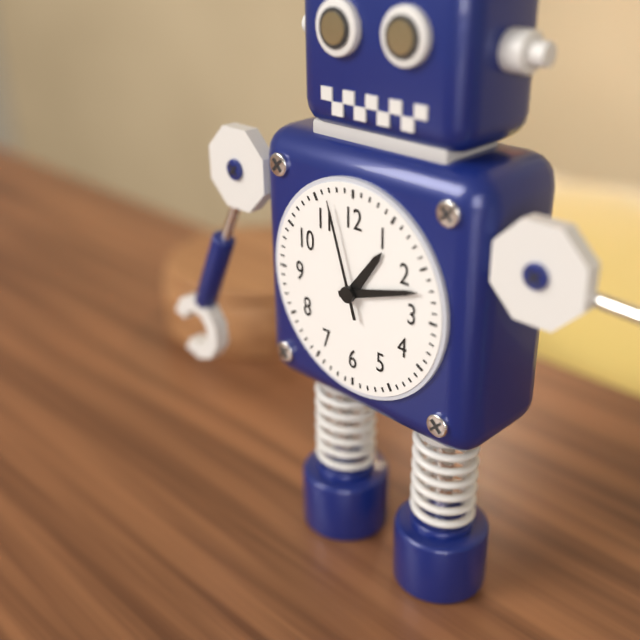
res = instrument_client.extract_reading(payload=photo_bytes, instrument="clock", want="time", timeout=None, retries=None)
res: 1:12:57
